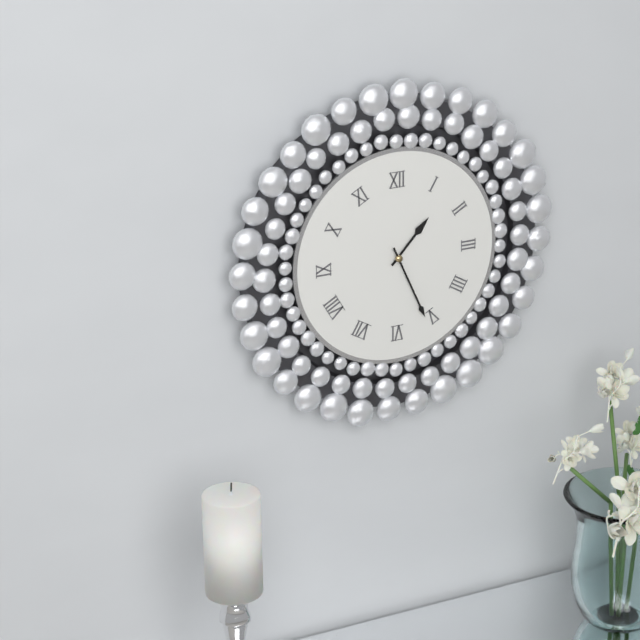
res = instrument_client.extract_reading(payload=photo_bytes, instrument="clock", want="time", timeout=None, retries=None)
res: 1:26
